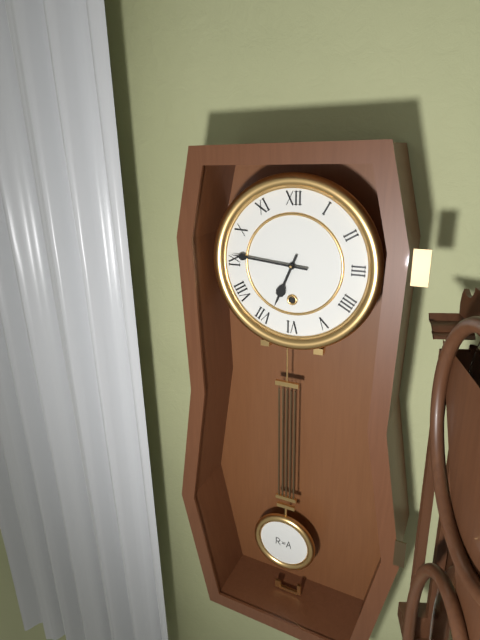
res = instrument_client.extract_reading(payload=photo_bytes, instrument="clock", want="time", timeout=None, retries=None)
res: 6:46
